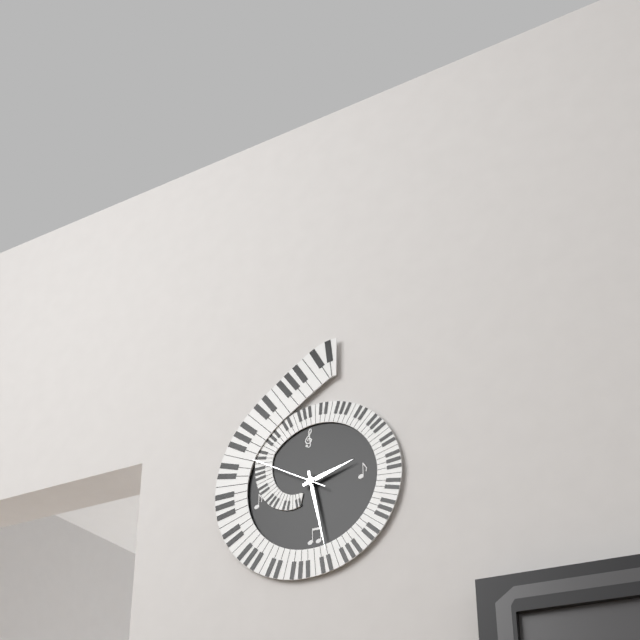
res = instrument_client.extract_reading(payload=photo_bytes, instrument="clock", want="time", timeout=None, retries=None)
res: 2:28:50
